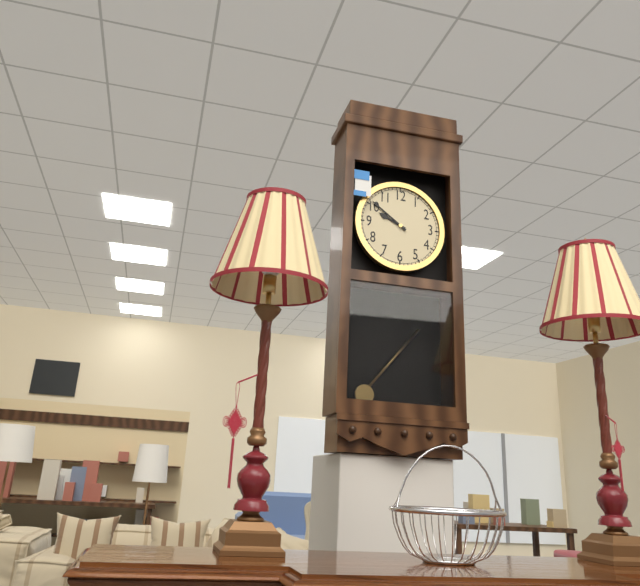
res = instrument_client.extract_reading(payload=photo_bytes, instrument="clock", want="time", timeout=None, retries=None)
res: 9:51
